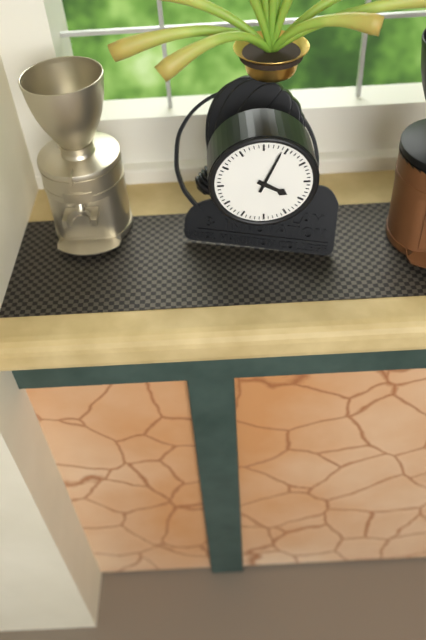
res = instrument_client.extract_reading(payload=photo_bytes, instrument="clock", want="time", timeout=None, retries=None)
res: 4:04
